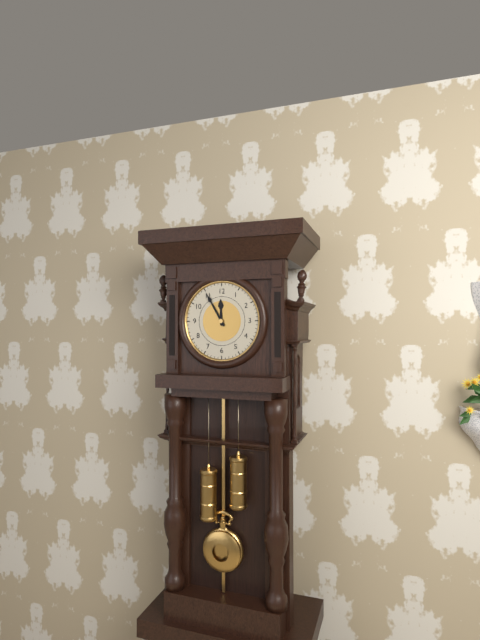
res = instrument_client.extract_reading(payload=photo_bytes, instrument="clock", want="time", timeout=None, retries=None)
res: 11:55
